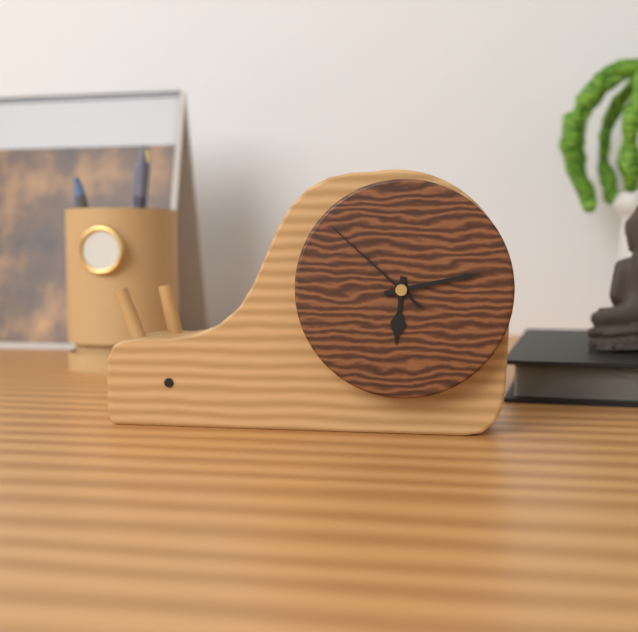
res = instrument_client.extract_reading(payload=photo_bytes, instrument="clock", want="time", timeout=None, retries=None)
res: 6:13:52
